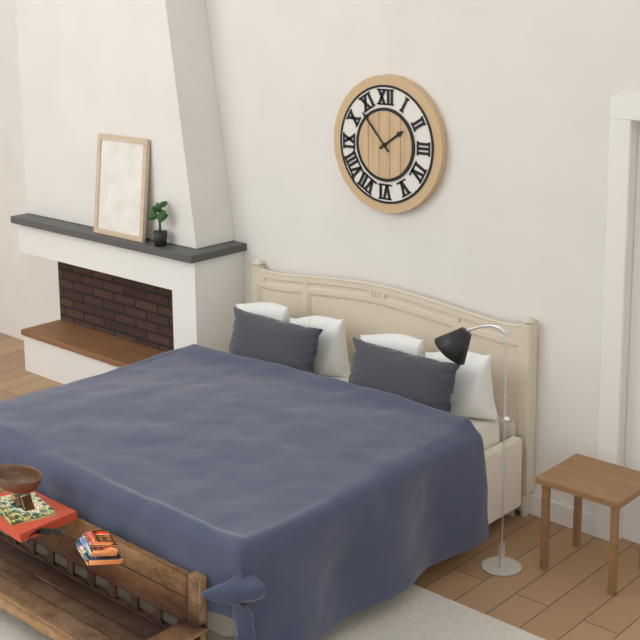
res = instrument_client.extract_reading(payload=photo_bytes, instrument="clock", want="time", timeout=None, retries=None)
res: 1:53
